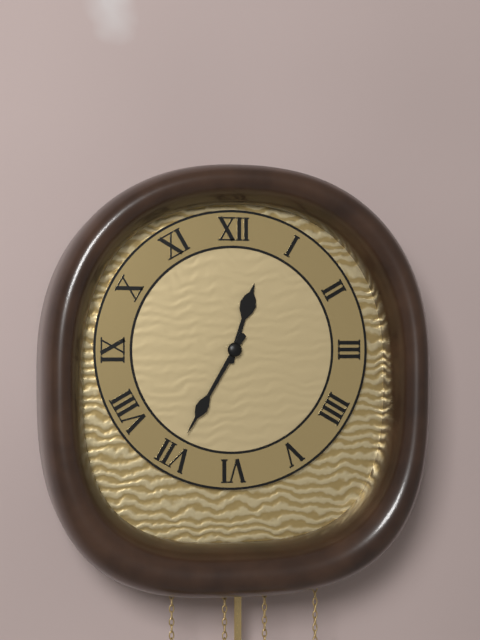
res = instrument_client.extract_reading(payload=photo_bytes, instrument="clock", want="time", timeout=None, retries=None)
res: 12:35
